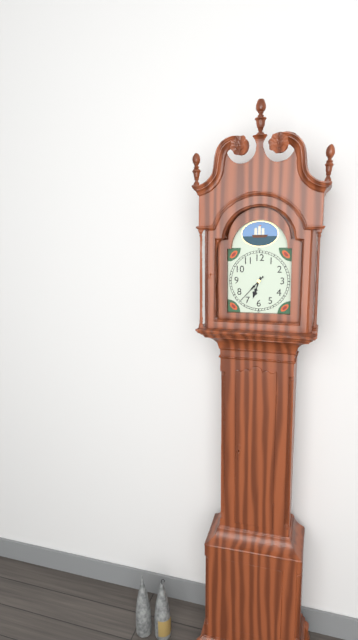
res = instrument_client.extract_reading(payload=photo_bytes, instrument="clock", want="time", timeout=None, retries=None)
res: 6:37
